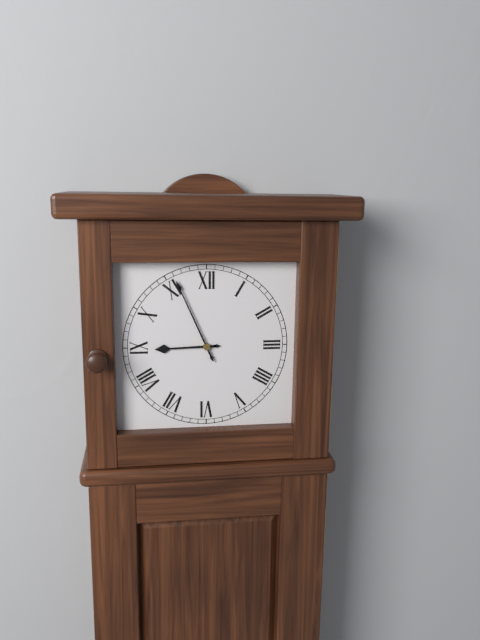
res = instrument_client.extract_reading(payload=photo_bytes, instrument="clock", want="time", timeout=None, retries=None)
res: 8:56
